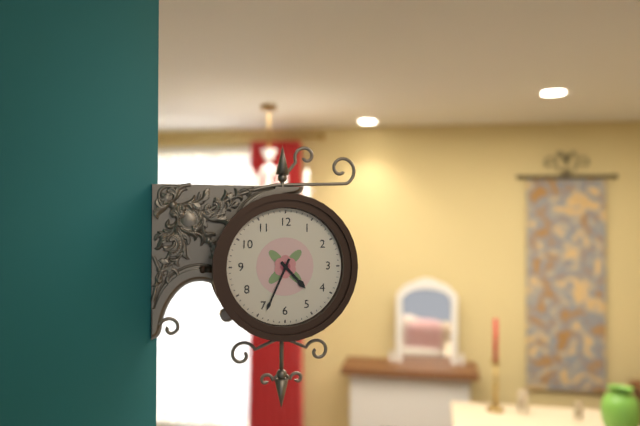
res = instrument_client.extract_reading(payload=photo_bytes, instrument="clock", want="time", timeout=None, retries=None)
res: 4:34
